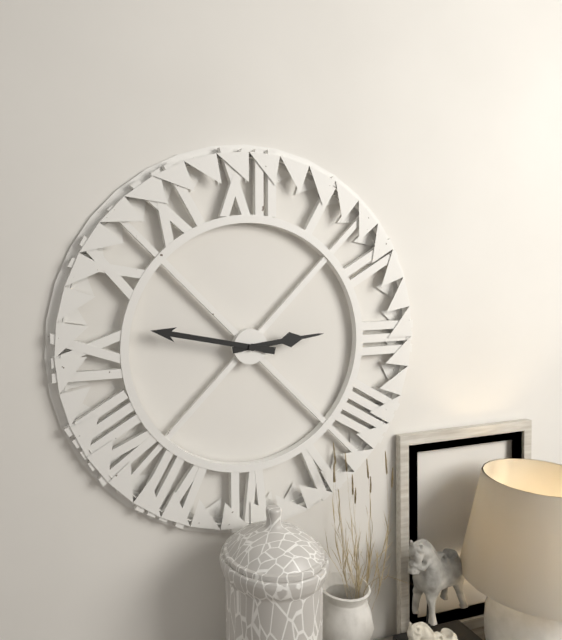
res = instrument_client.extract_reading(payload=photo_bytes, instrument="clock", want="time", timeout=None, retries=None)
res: 2:47
